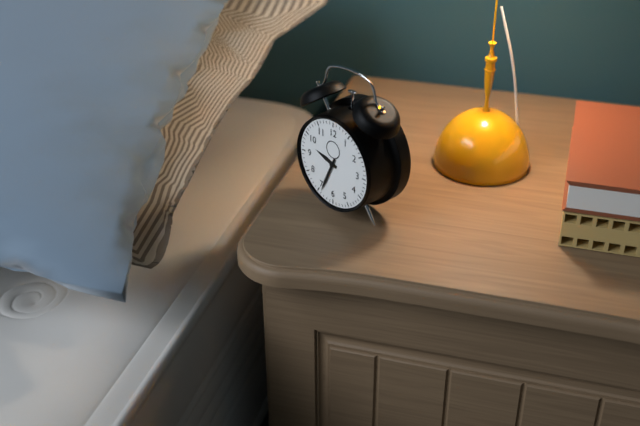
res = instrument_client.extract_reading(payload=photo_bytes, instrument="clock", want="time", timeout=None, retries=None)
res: 9:34
